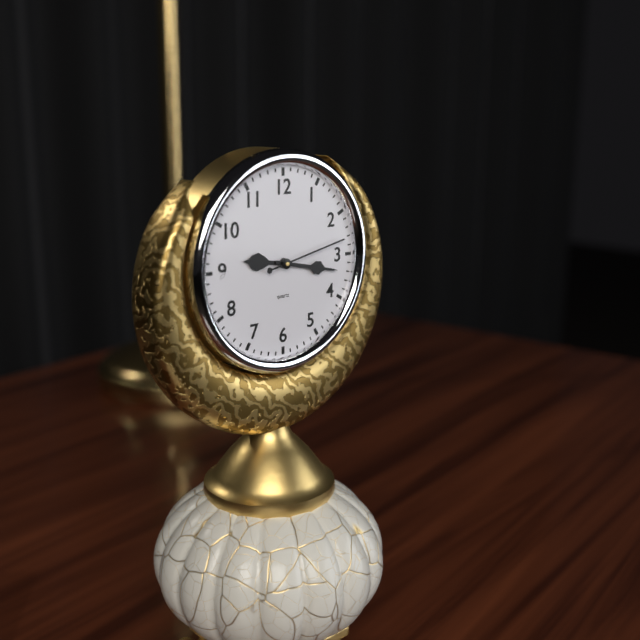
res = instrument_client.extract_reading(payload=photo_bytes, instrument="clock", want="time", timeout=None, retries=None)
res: 9:17:13
